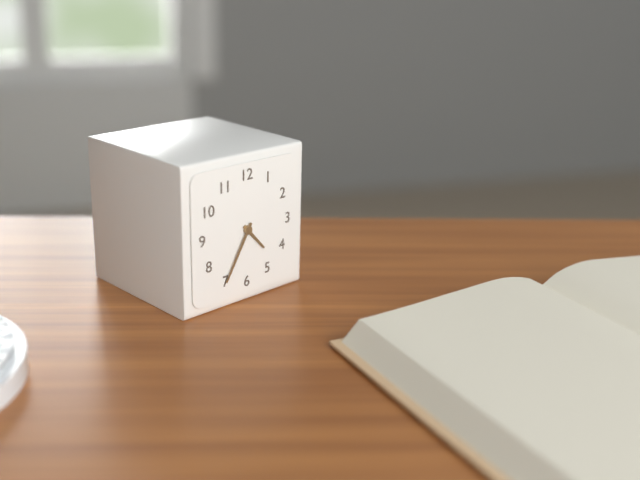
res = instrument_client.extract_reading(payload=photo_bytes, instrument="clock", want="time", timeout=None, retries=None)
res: 4:35
